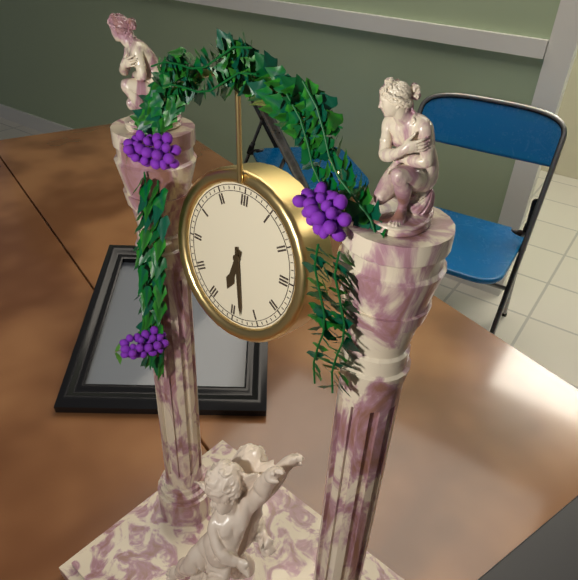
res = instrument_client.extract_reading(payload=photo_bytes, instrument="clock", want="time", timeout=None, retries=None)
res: 6:28
